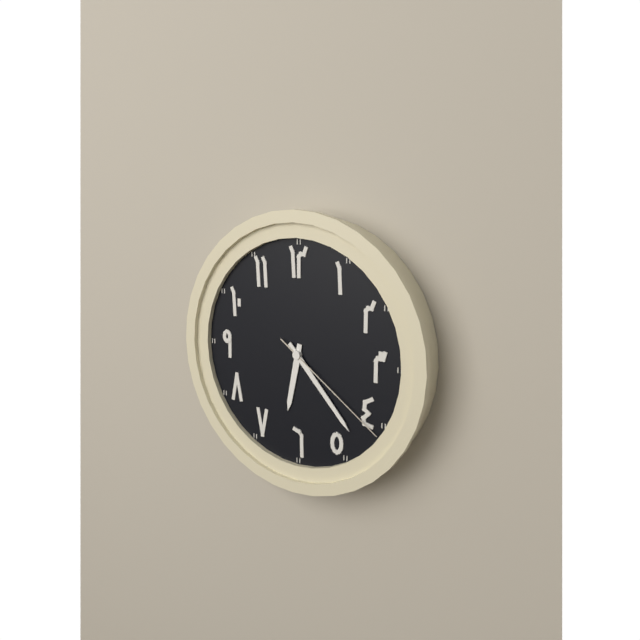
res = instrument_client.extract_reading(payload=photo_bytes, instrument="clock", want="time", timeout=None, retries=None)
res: 6:23:21
